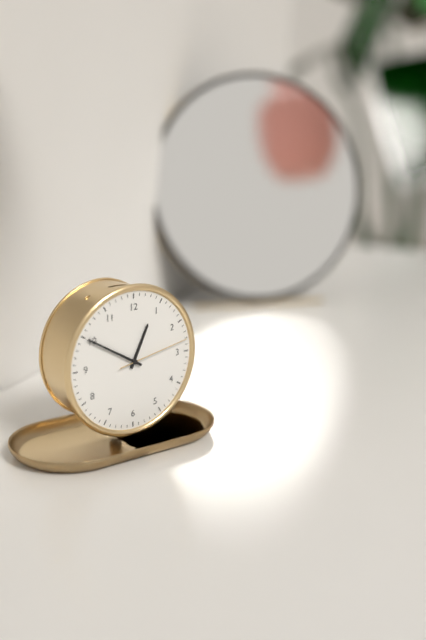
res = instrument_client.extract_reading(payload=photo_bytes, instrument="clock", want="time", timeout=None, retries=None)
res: 12:50:13
